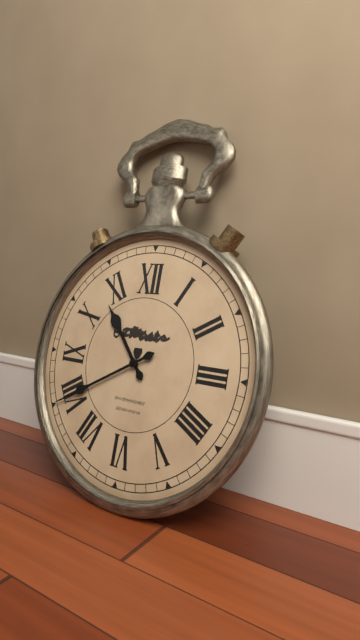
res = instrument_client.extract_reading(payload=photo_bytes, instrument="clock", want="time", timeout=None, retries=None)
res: 10:40
